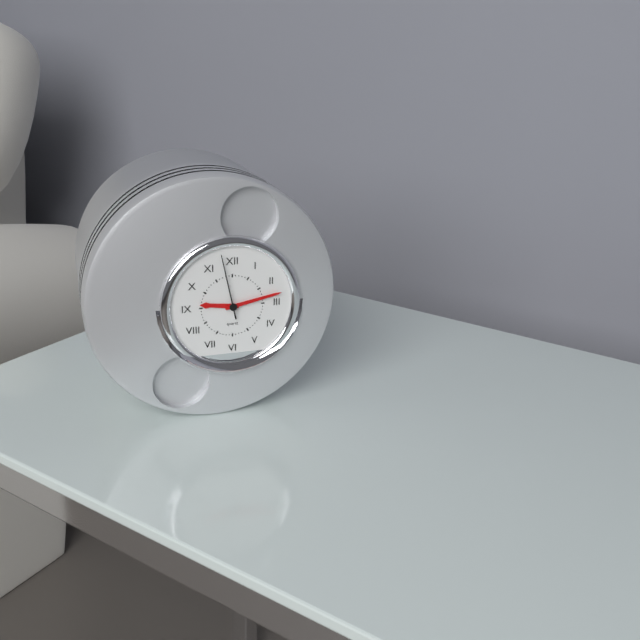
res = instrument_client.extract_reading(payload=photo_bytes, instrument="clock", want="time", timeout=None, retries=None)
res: 9:13:58
